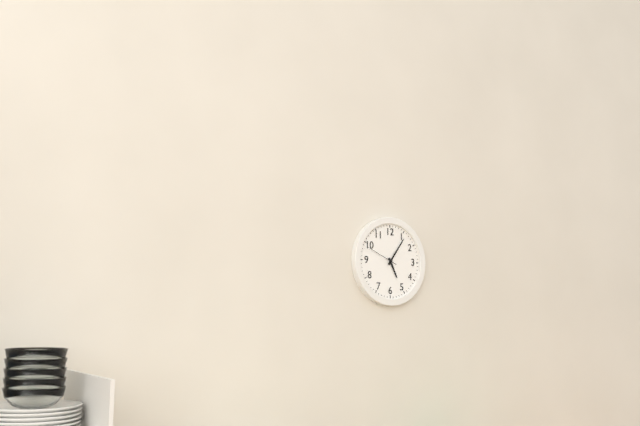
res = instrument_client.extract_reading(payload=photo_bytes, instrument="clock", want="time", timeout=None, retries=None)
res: 5:06
